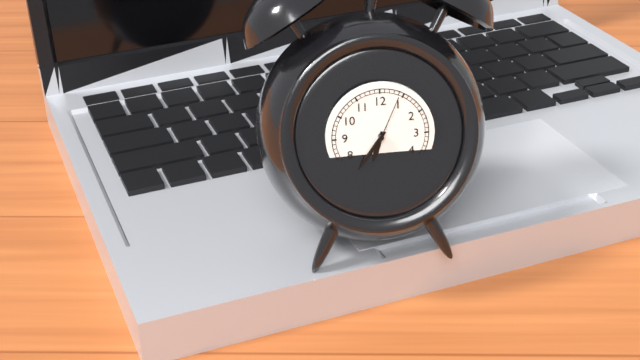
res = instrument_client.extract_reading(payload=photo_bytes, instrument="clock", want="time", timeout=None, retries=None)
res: 6:36:04
